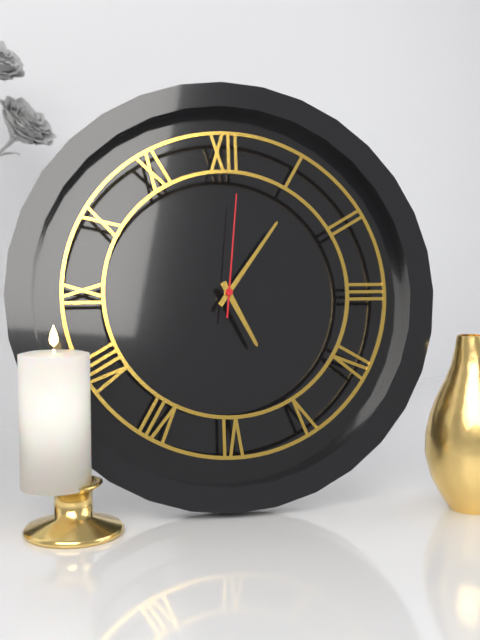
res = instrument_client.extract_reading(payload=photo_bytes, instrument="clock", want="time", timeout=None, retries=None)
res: 5:06:01
